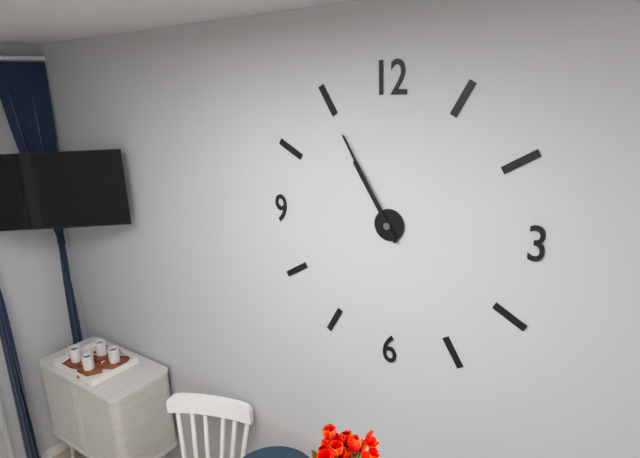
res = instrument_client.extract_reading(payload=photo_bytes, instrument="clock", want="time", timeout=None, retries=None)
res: 10:55
